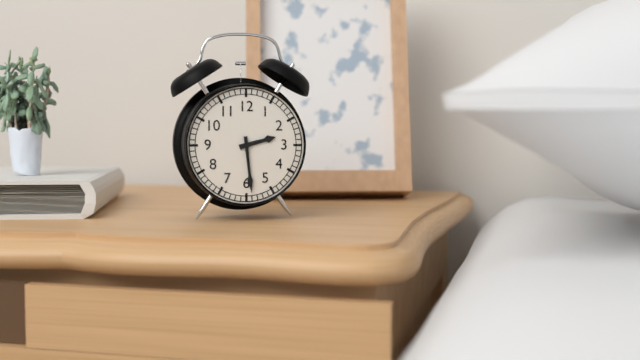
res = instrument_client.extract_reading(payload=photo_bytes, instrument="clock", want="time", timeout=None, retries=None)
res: 2:29
